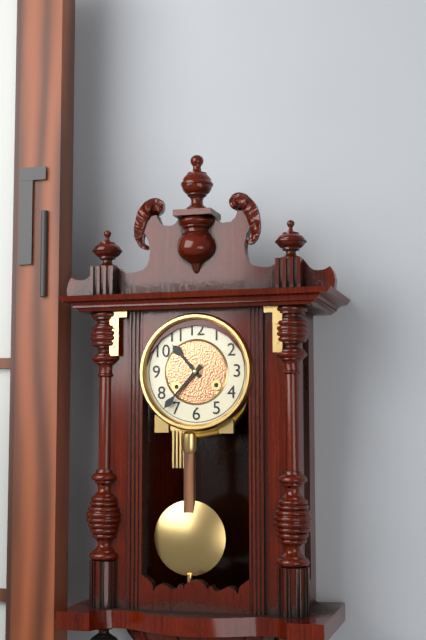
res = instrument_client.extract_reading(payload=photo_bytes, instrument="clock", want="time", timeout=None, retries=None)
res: 10:37
